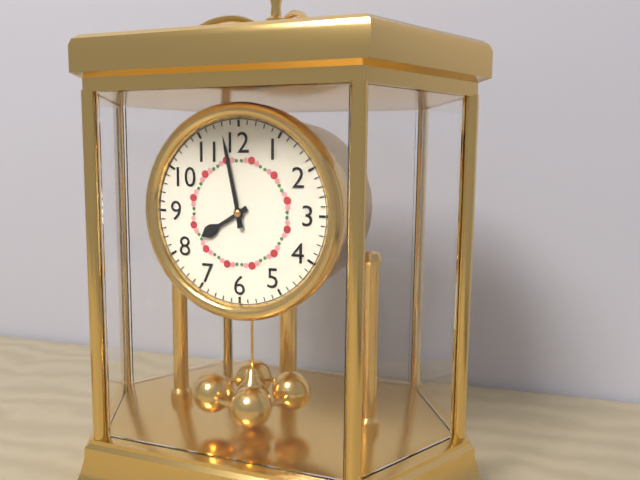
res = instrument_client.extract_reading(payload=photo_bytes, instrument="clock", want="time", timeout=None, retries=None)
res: 7:58
